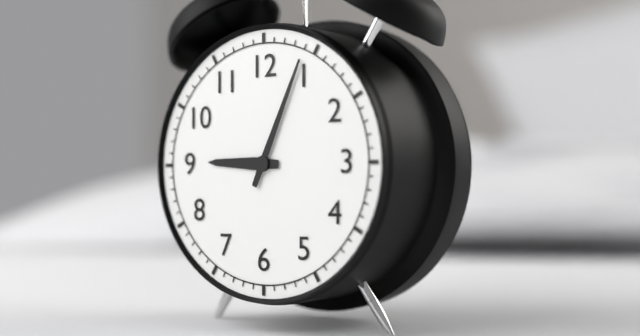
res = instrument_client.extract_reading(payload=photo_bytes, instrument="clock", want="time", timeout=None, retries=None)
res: 9:04
